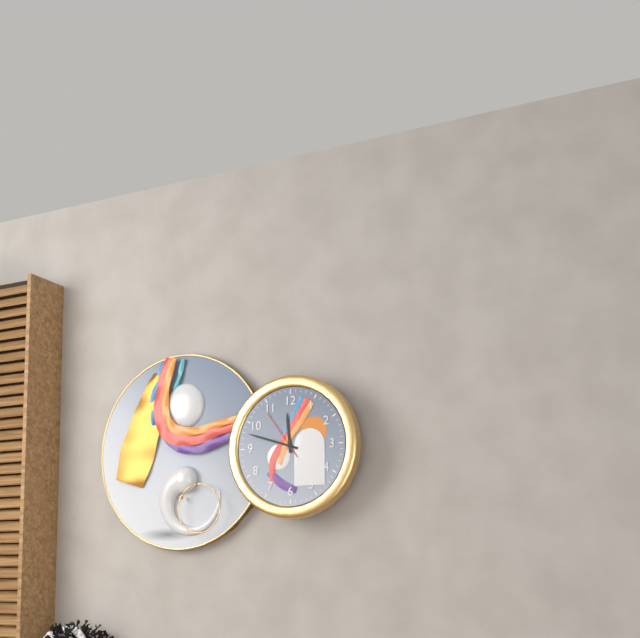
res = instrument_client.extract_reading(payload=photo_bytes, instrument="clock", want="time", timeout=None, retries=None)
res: 11:48:54
